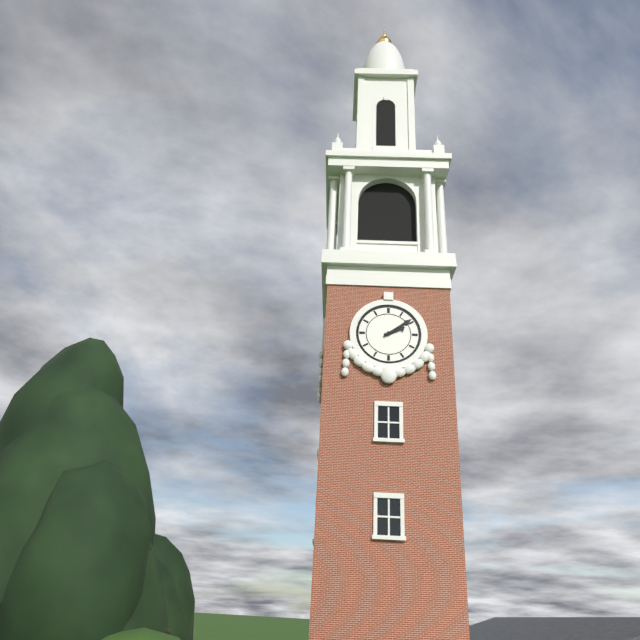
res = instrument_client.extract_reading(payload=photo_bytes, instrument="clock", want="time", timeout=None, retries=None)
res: 2:09
